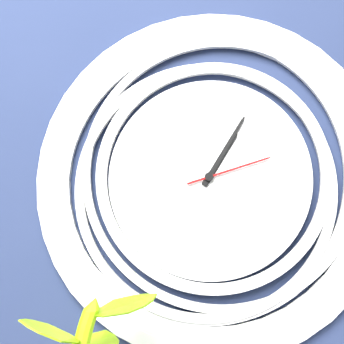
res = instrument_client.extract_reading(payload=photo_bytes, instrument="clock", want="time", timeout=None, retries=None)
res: 1:05:12
